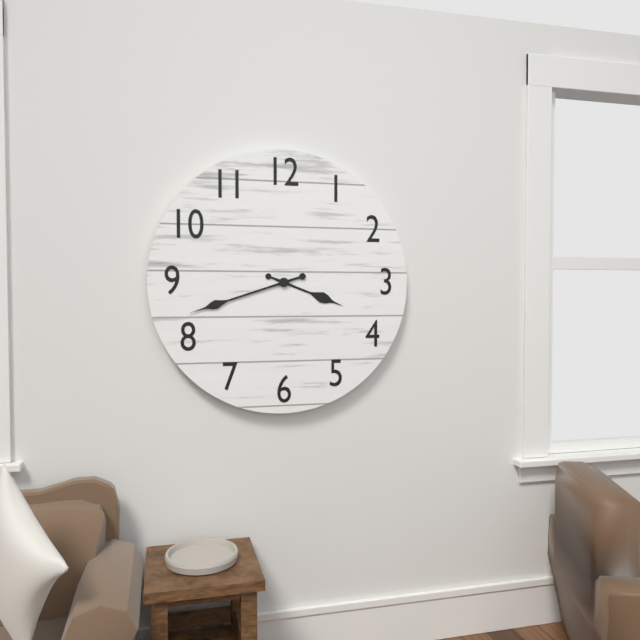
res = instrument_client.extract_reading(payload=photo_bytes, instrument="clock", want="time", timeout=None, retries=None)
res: 3:42
